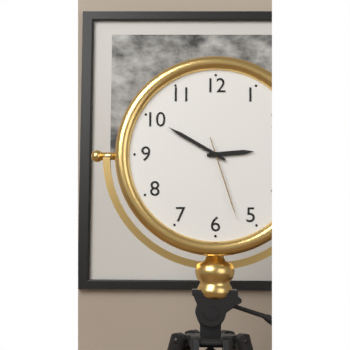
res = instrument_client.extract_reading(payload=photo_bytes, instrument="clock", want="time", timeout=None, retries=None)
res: 2:50:27
